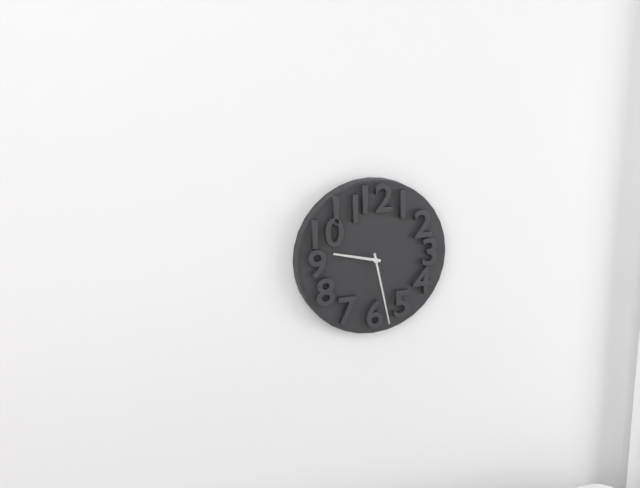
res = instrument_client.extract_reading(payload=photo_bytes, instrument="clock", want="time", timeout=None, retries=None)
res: 9:28
